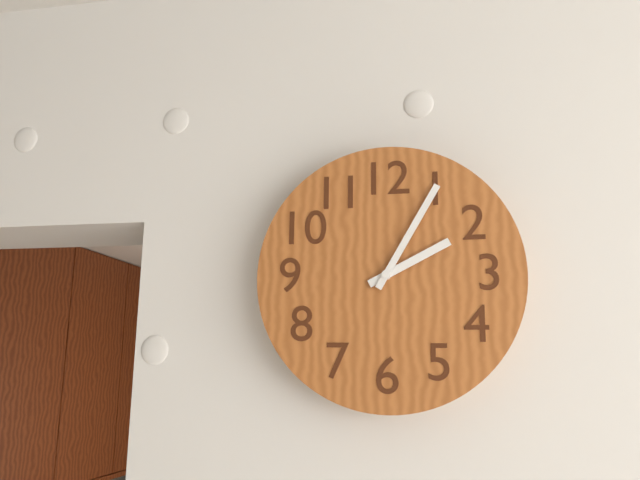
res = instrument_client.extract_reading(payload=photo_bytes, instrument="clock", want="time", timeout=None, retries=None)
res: 2:05
